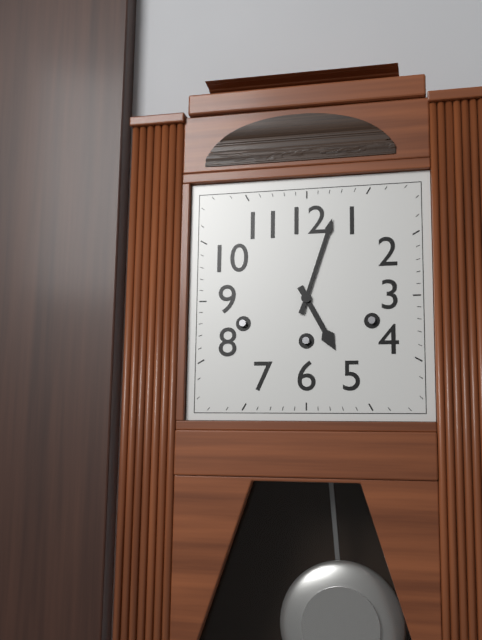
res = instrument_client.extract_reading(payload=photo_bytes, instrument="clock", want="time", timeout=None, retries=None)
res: 5:03
